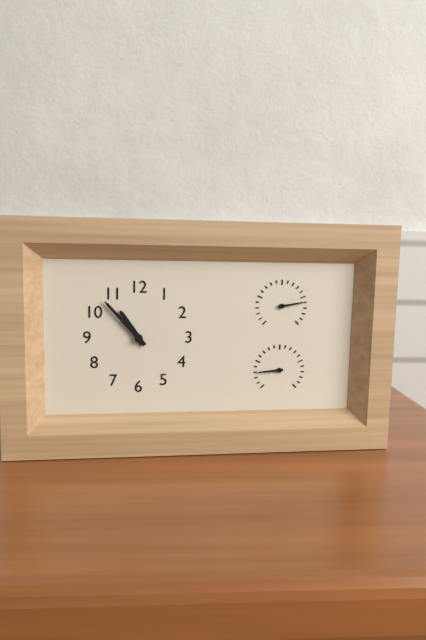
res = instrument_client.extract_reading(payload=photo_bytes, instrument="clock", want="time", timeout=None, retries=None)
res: 10:53
